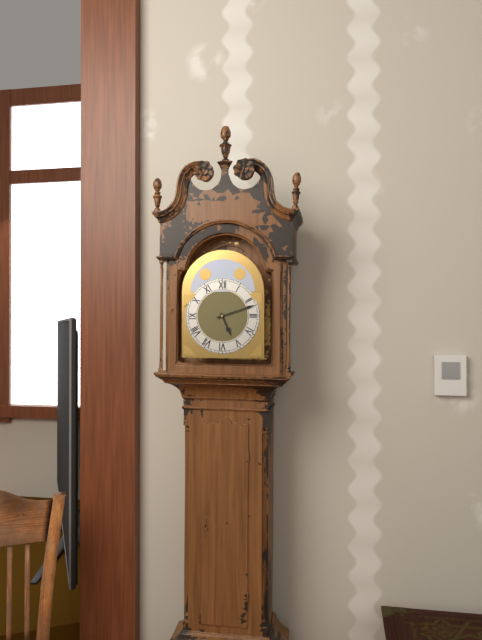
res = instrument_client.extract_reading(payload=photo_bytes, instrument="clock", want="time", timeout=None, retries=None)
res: 5:12
